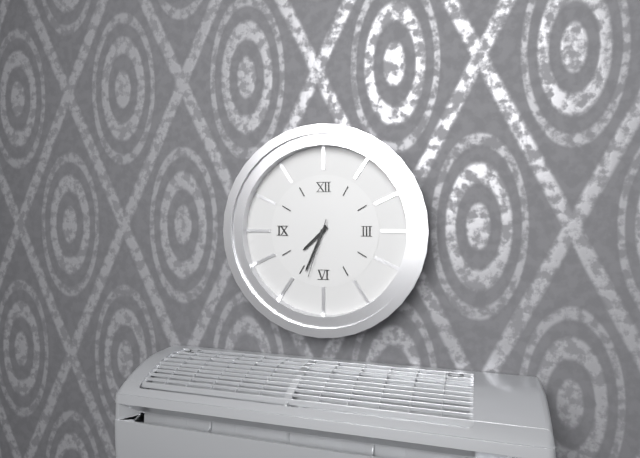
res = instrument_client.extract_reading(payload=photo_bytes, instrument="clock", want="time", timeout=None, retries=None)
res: 7:34:33
